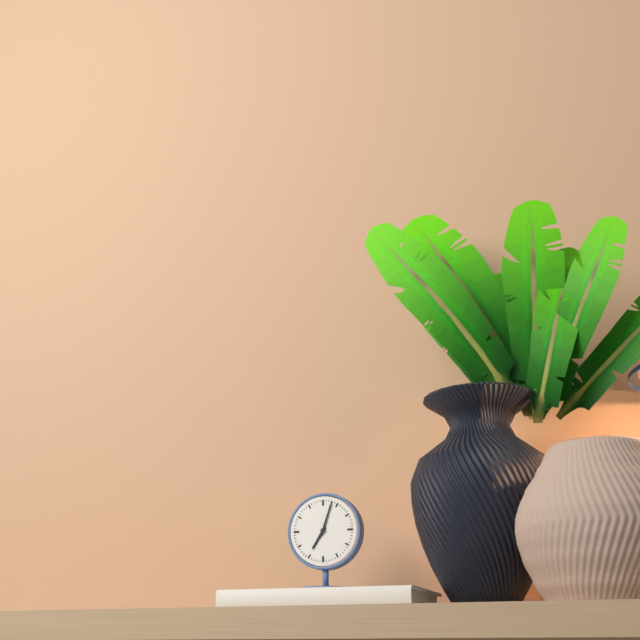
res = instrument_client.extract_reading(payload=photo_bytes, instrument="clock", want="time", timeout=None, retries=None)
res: 7:03
